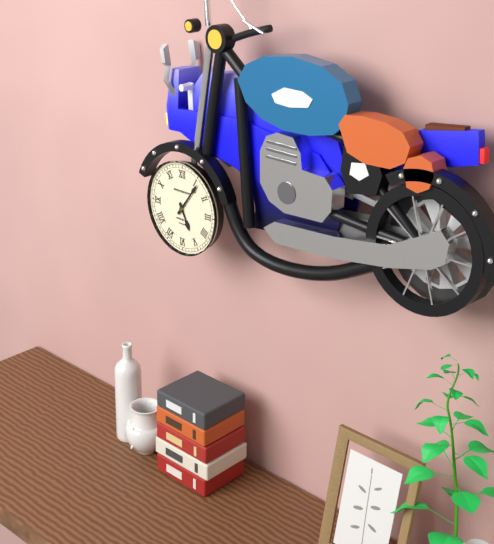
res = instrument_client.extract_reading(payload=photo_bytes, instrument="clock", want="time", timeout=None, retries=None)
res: 5:06
